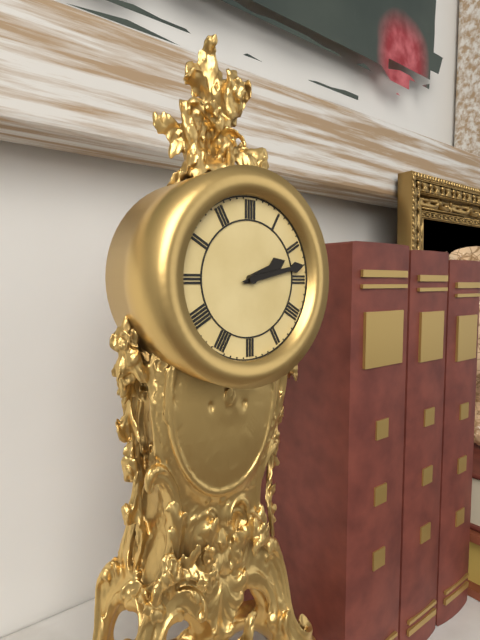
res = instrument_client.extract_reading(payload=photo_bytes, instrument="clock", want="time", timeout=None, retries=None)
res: 2:13
